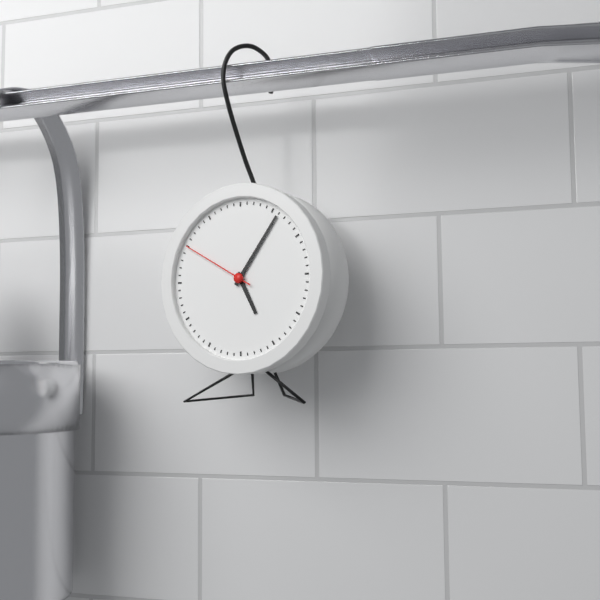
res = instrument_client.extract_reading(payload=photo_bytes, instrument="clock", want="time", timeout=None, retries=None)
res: 5:06:50
